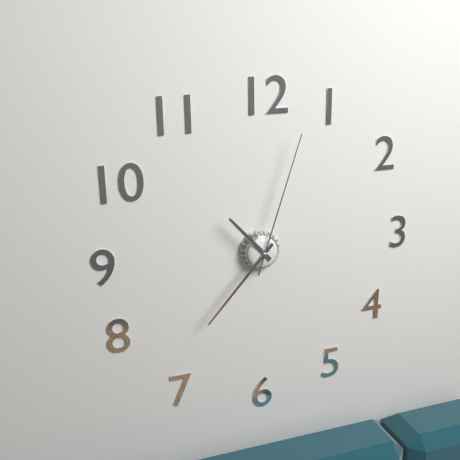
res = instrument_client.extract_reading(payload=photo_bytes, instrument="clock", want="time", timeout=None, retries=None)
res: 10:37:03
